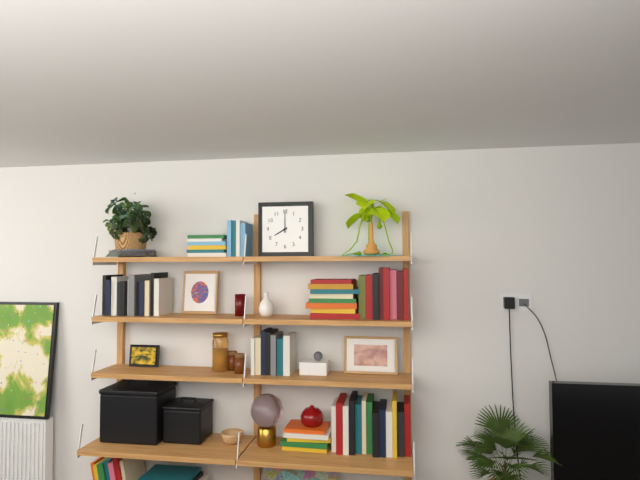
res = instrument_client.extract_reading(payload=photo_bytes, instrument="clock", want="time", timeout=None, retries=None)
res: 8:00
